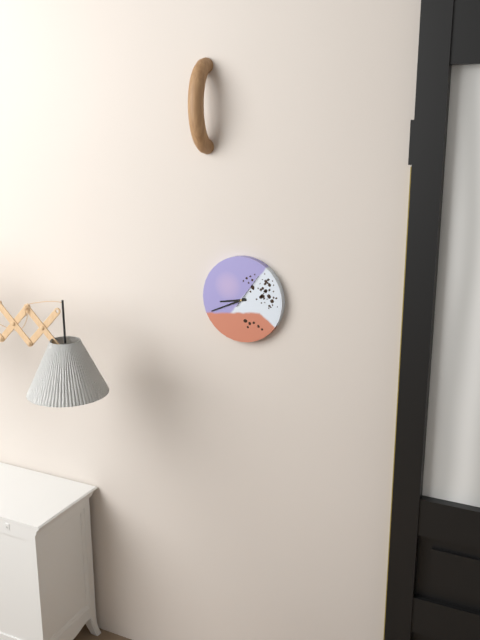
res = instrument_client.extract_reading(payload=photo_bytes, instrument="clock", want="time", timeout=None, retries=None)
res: 8:41
